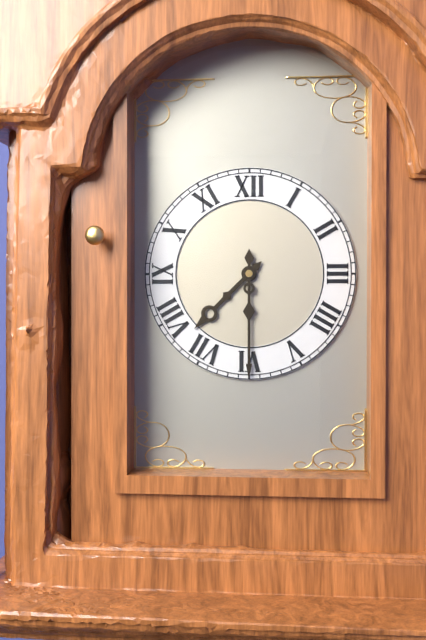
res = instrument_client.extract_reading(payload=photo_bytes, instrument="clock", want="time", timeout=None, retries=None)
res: 7:30
